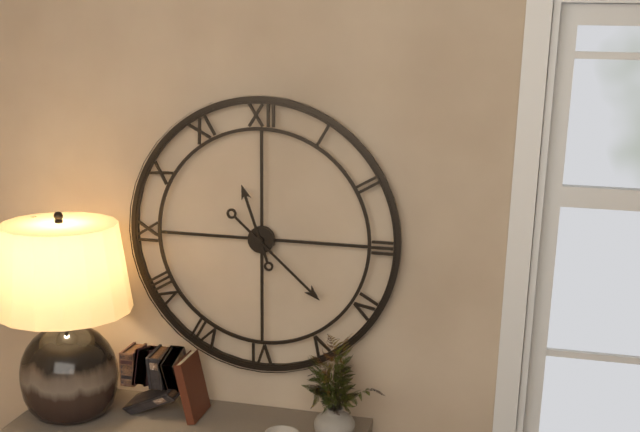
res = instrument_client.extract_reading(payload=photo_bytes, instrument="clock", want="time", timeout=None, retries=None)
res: 11:22
